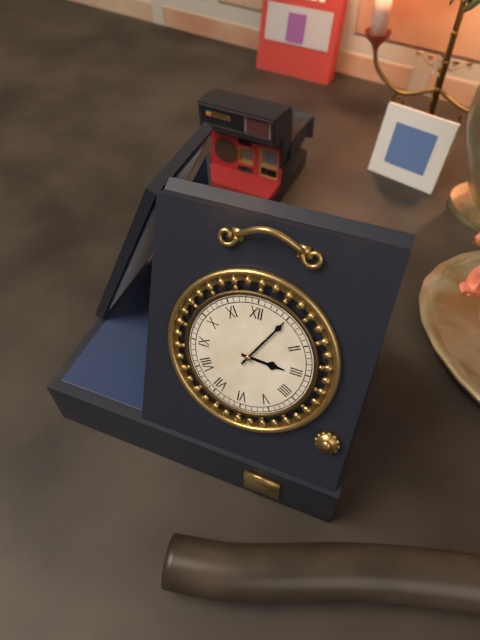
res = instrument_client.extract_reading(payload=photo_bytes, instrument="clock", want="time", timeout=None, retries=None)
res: 3:05
